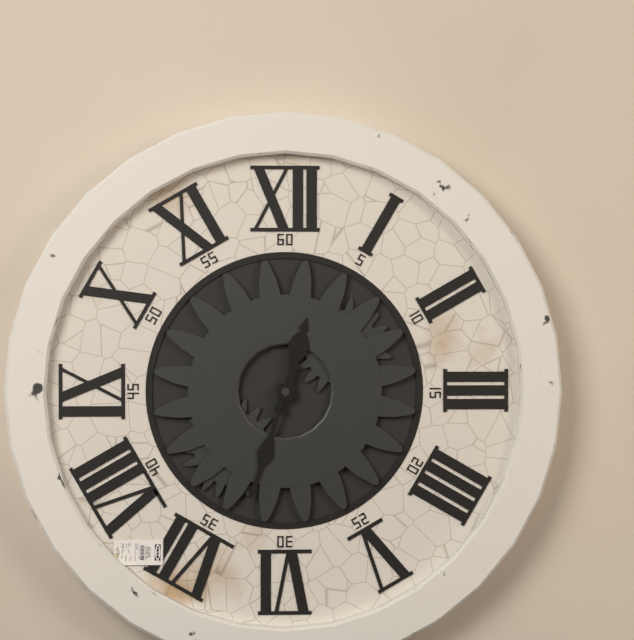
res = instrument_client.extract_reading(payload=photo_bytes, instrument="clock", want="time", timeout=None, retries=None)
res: 12:33
